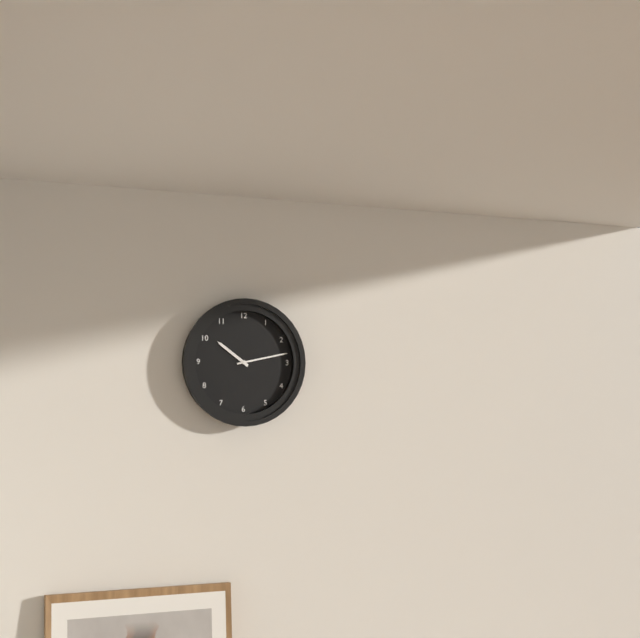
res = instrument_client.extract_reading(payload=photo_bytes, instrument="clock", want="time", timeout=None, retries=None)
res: 10:13
